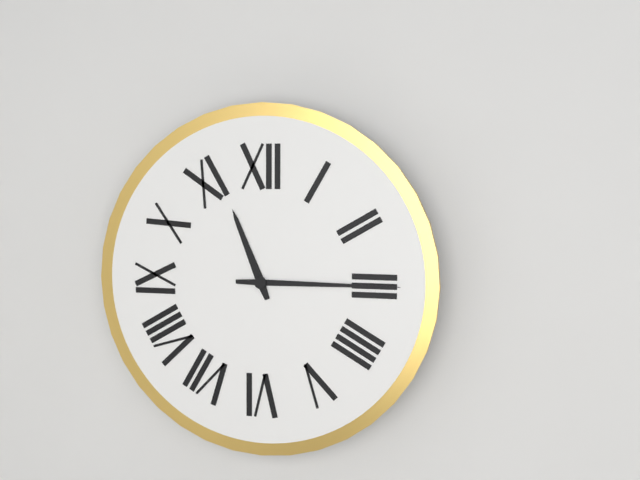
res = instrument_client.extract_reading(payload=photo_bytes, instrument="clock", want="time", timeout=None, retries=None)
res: 11:15
